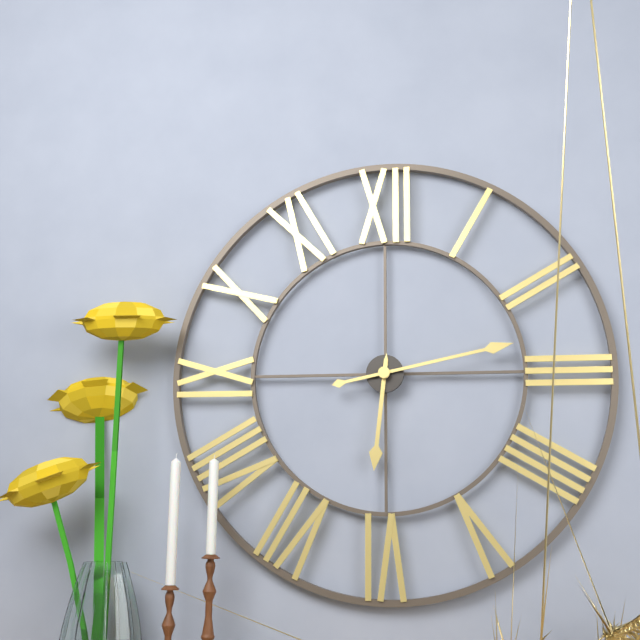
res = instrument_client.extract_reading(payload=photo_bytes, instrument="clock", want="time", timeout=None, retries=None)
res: 6:13
